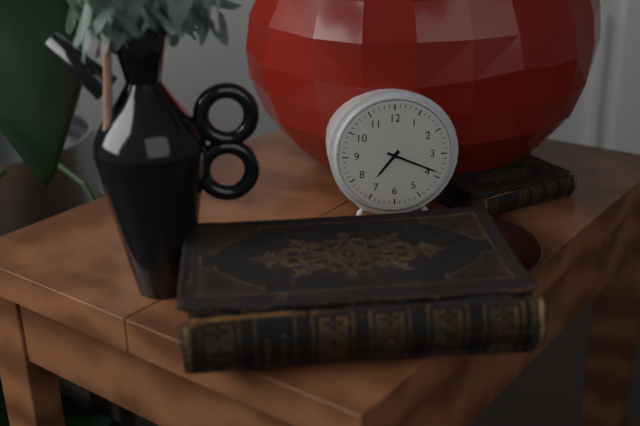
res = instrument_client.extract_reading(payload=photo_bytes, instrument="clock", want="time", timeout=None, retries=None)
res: 7:19
